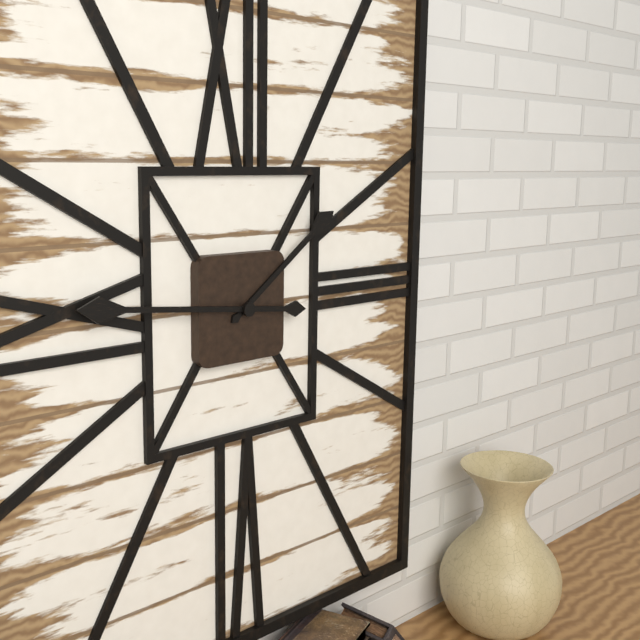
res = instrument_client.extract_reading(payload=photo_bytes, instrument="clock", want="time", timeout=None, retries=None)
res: 1:46
